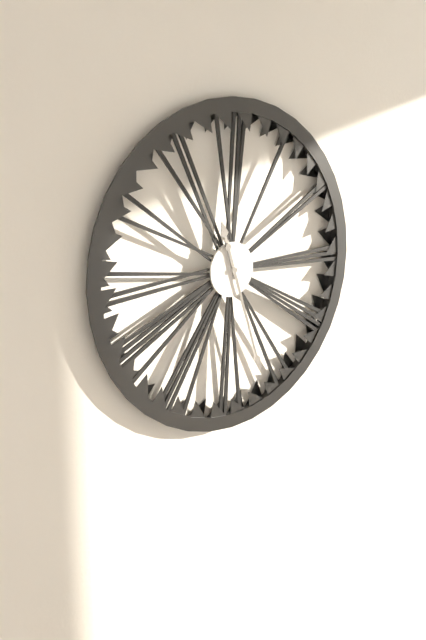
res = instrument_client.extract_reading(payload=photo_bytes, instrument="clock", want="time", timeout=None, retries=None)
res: 11:27
